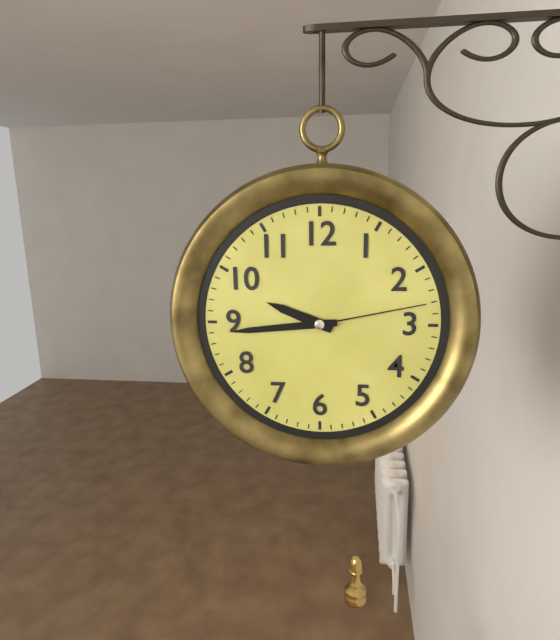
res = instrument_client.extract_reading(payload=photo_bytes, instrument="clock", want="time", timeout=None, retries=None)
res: 9:44:13
